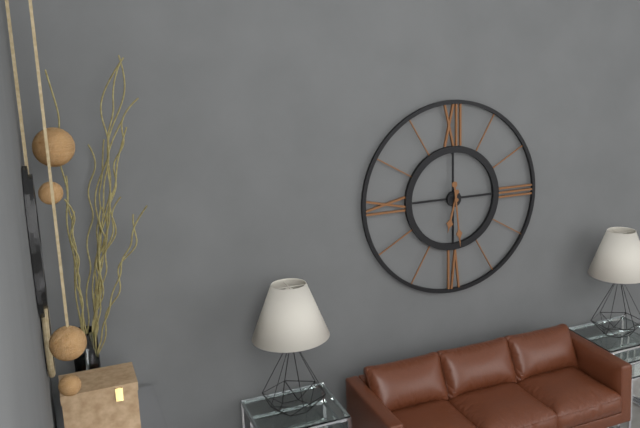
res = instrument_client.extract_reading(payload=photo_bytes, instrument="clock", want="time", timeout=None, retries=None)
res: 6:29
